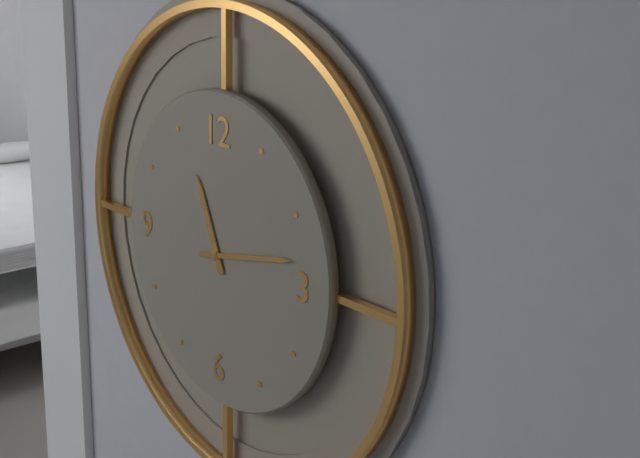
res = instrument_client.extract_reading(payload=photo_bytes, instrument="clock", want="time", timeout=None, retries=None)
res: 11:13
